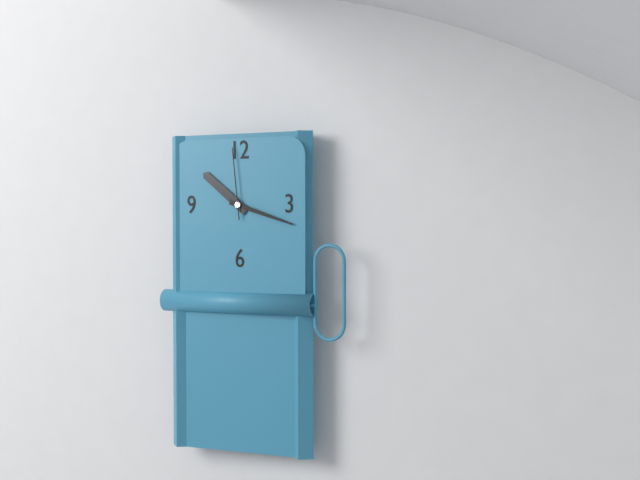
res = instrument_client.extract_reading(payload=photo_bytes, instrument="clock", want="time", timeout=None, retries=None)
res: 10:18:59
